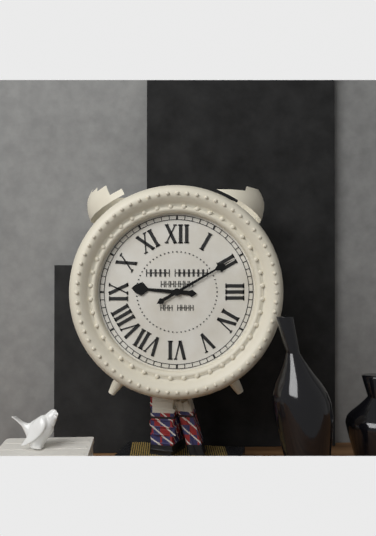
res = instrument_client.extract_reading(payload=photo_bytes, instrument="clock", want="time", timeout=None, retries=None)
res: 9:10
